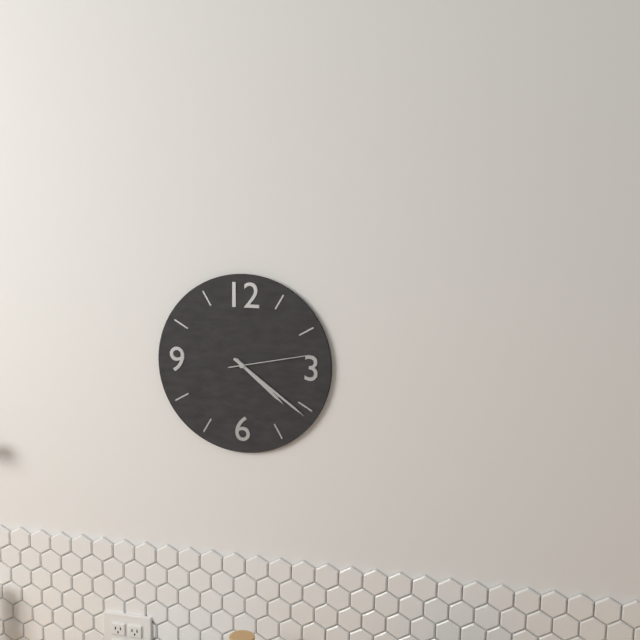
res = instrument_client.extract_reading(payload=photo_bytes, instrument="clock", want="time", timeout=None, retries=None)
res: 4:21:13
